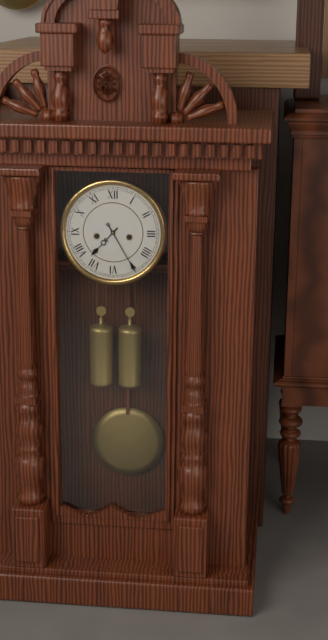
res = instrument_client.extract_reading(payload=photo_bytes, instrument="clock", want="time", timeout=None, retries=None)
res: 7:25
